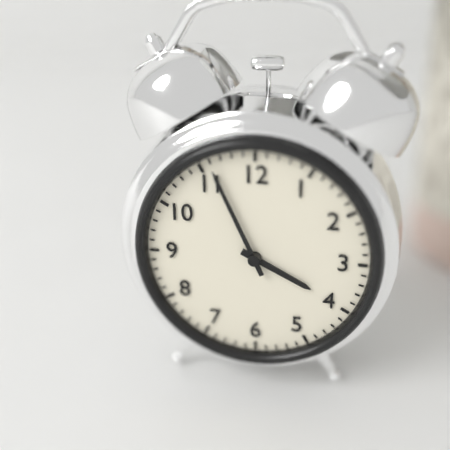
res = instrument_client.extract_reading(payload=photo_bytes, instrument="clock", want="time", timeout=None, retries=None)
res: 3:56
